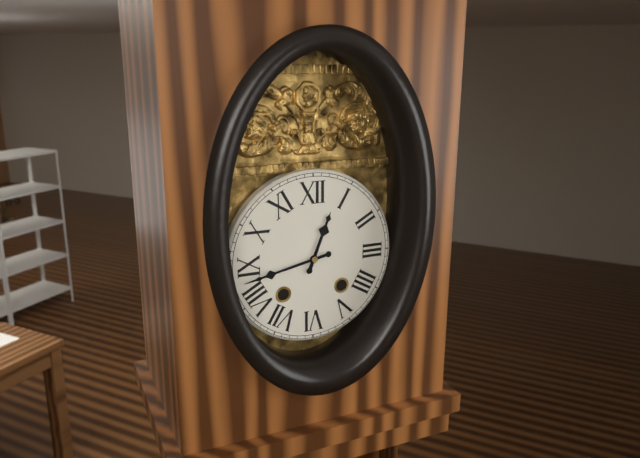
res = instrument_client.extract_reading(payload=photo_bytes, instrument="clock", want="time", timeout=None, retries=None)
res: 12:43
